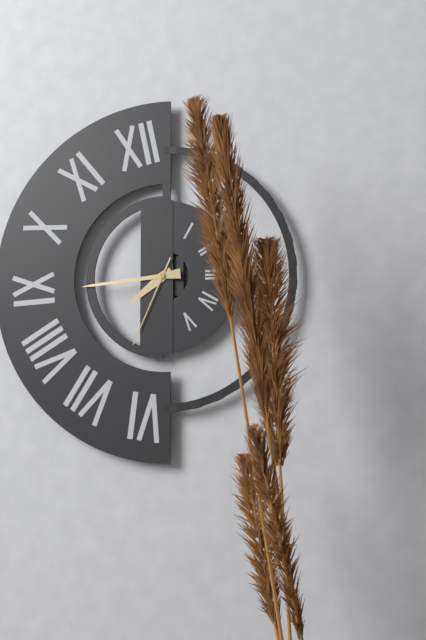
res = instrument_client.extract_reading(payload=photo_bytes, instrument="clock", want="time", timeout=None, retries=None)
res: 7:44:34
